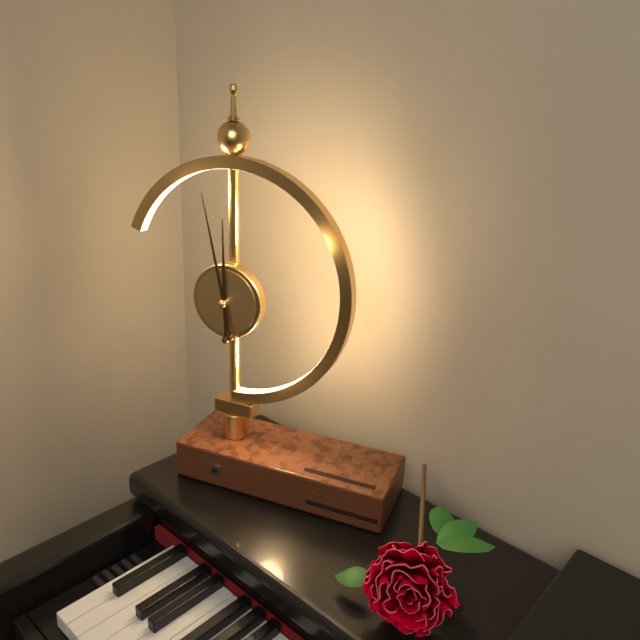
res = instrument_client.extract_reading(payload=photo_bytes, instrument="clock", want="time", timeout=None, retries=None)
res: 11:58
